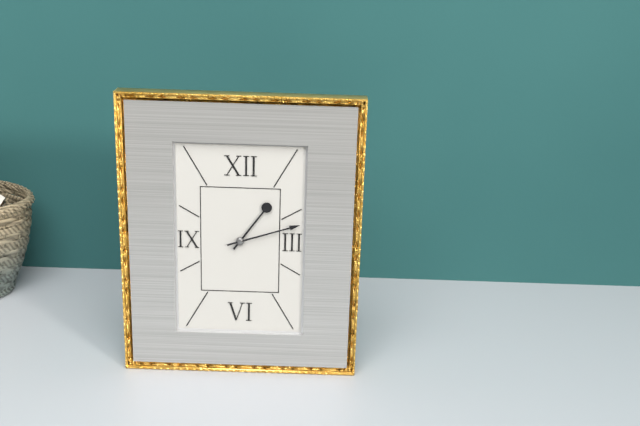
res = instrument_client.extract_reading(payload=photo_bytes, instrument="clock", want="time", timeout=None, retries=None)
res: 1:12
